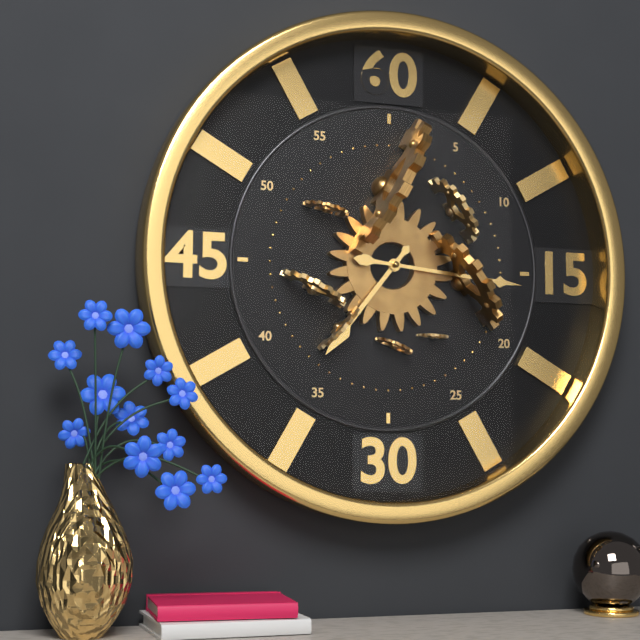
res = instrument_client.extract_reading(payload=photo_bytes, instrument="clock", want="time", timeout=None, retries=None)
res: 7:16
